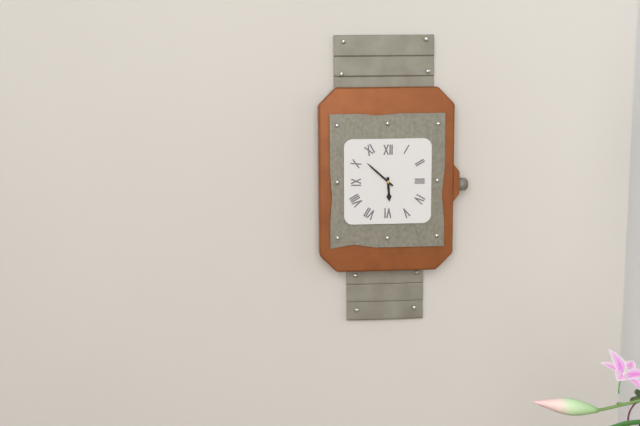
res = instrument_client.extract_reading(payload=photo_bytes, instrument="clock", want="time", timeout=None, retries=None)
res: 5:52
